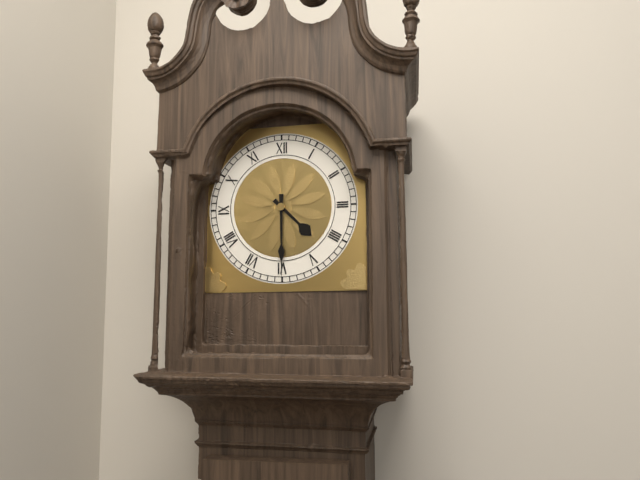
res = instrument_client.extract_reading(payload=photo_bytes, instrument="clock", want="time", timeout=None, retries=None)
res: 4:30
